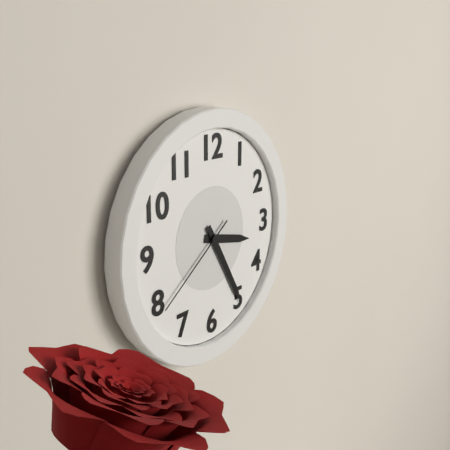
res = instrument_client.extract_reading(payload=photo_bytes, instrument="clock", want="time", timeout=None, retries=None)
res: 3:25:39
